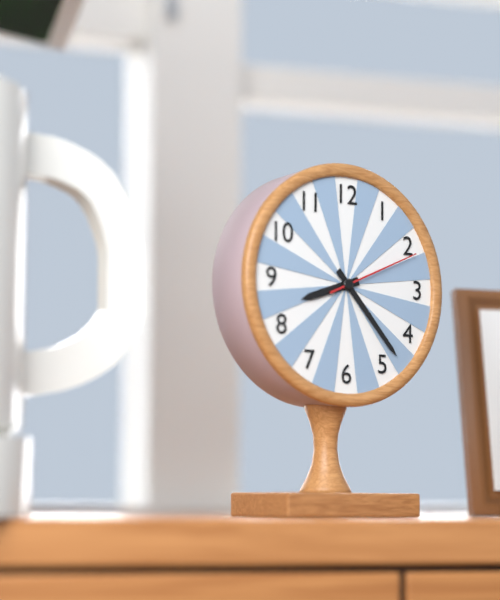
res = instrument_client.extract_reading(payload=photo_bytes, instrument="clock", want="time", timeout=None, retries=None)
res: 8:23:11
